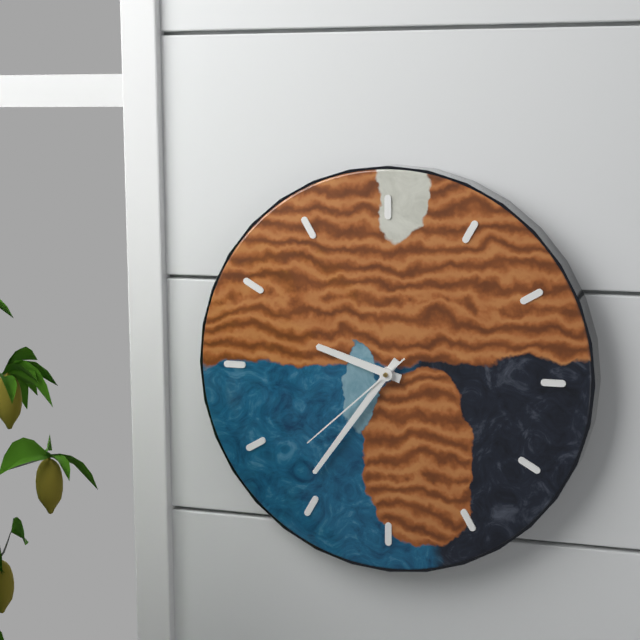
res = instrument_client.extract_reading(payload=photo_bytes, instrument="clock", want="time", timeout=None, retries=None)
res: 9:36:38
